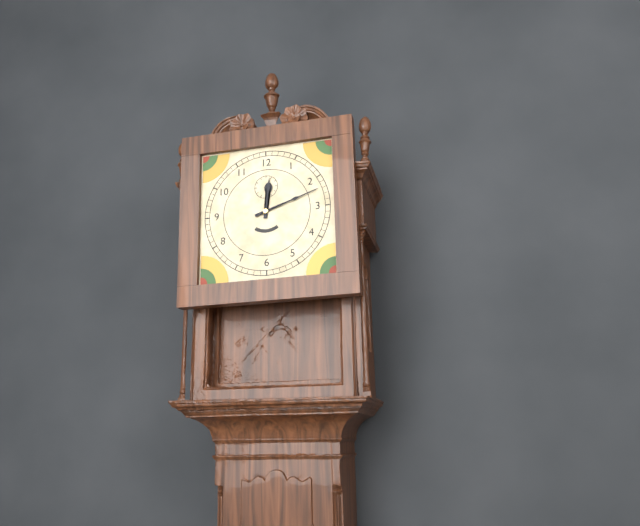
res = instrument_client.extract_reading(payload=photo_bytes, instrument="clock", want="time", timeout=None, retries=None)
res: 12:12
